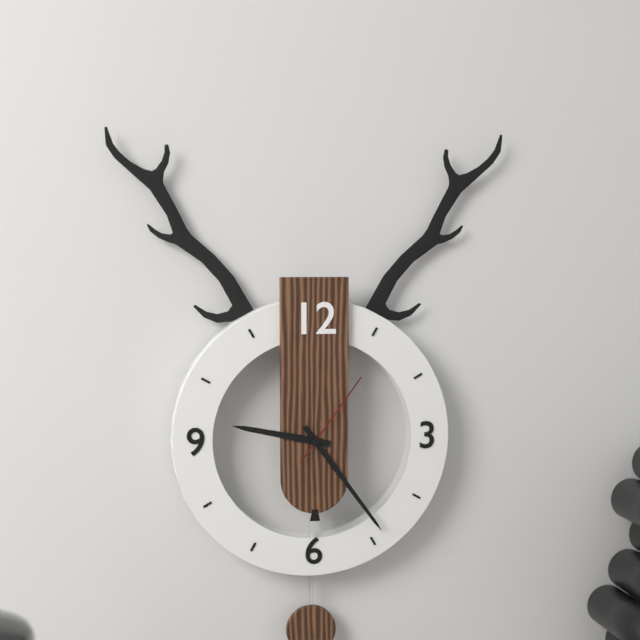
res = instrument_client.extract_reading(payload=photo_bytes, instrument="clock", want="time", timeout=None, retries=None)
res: 9:24:06
